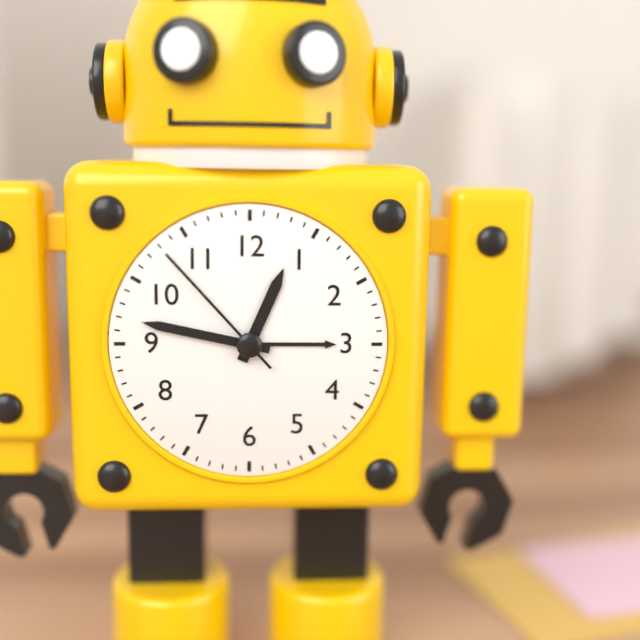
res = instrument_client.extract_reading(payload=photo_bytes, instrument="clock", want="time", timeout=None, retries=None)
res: 12:47:53
